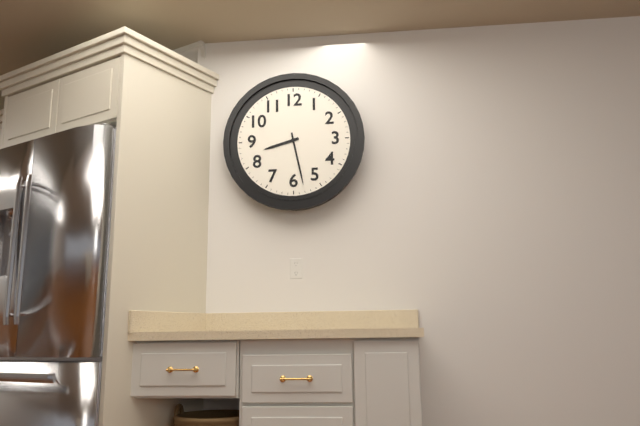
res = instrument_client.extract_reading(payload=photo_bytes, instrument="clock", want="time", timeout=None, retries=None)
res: 8:28
